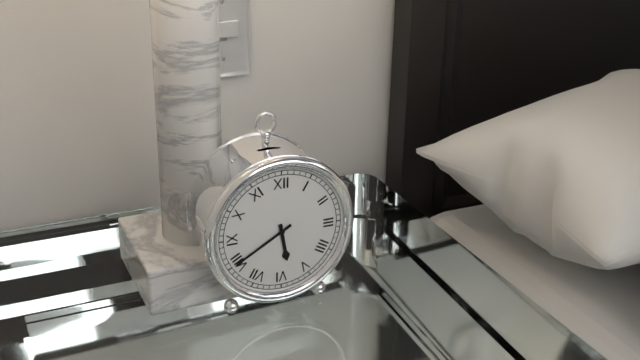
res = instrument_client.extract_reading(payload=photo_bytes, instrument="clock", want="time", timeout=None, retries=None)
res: 5:40
